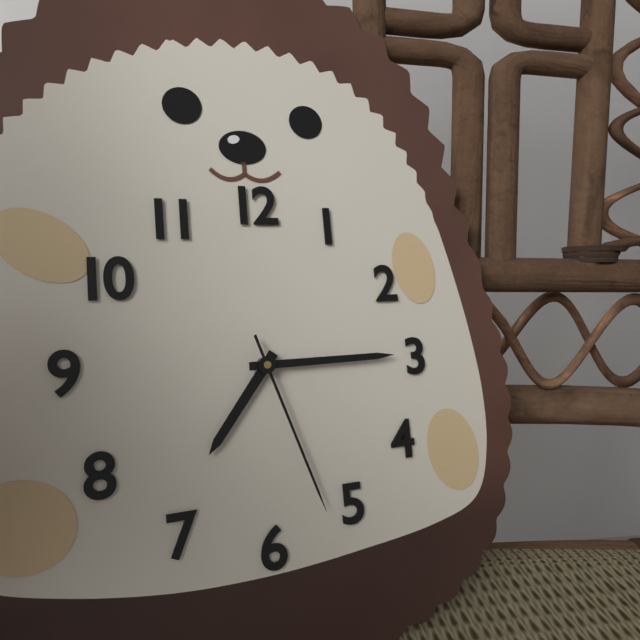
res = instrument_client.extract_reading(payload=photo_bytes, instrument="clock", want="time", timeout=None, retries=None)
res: 7:15:27
